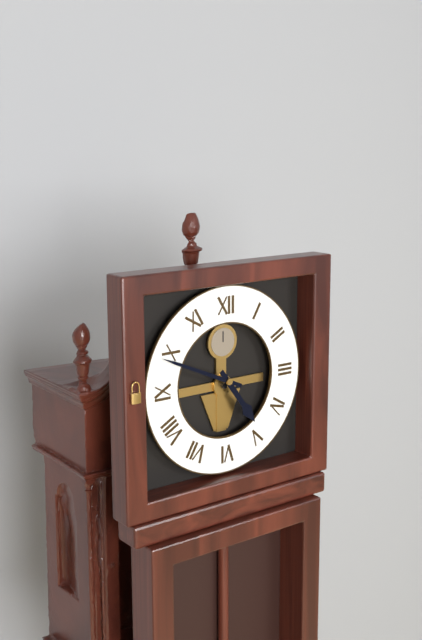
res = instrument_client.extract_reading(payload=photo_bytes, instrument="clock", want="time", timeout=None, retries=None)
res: 4:49
